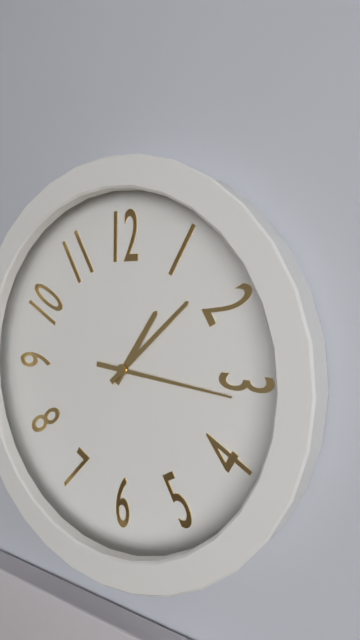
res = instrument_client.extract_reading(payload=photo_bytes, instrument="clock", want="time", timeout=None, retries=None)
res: 1:08:16
